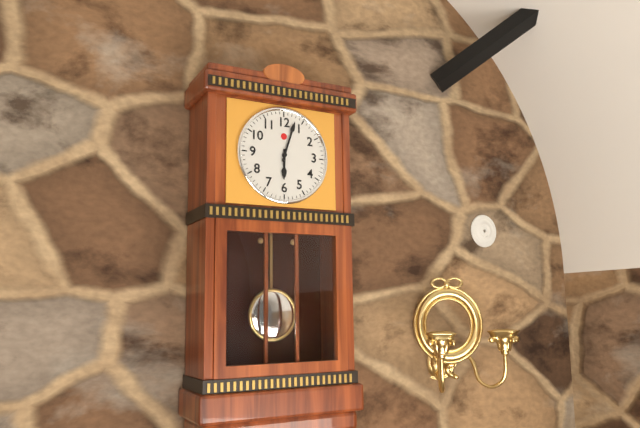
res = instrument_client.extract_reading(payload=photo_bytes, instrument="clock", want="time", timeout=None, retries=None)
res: 6:03
